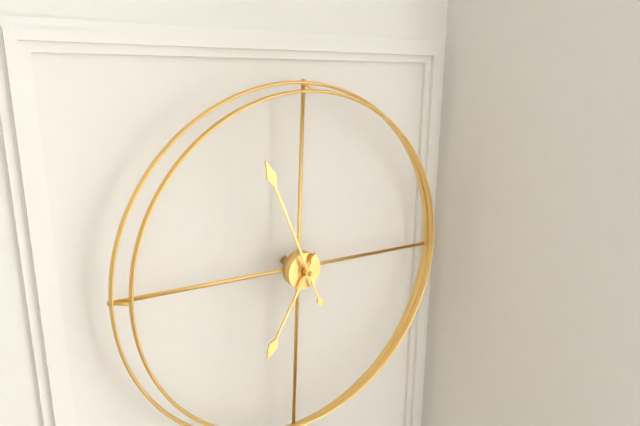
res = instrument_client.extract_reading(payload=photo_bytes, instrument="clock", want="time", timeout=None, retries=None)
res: 6:56
